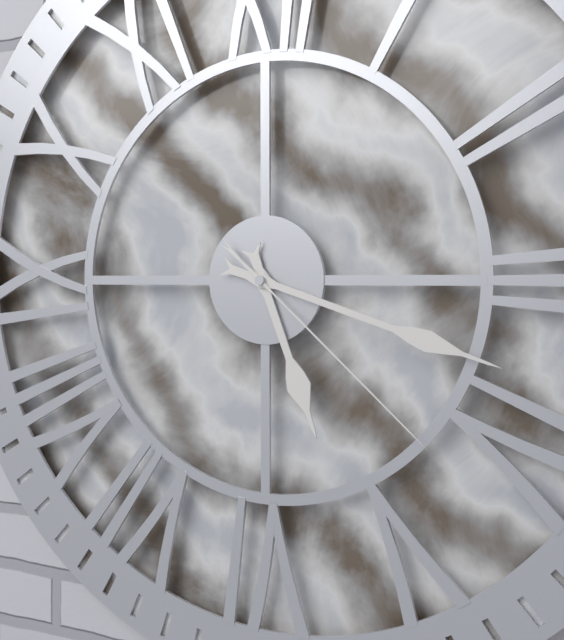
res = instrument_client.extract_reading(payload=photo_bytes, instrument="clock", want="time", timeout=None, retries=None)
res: 5:18:22
